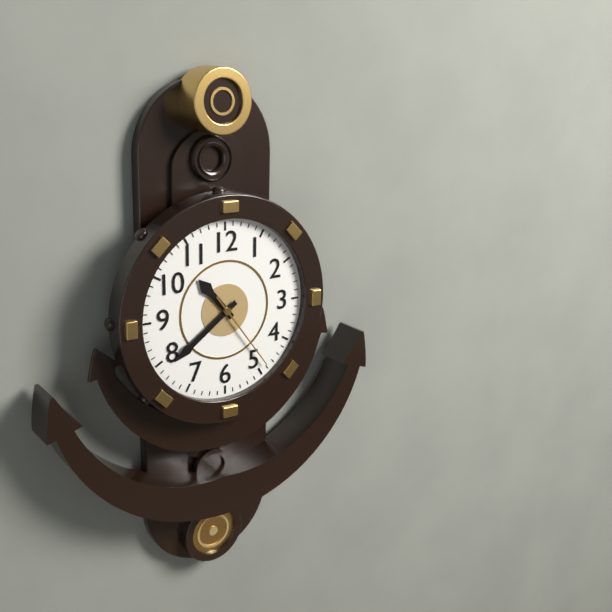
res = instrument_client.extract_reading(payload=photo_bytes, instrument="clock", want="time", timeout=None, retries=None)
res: 10:39:24
